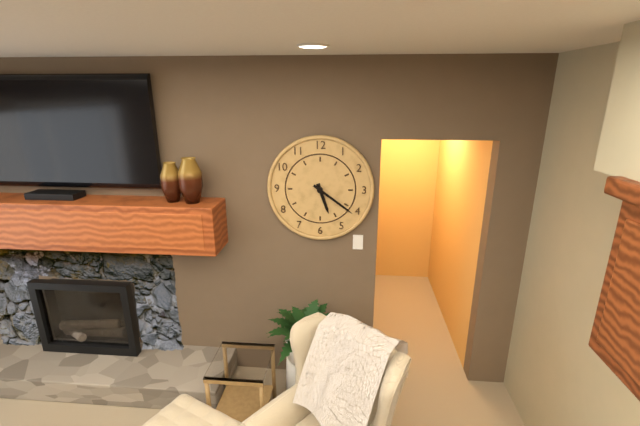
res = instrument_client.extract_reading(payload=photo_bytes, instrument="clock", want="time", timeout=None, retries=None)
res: 5:21
